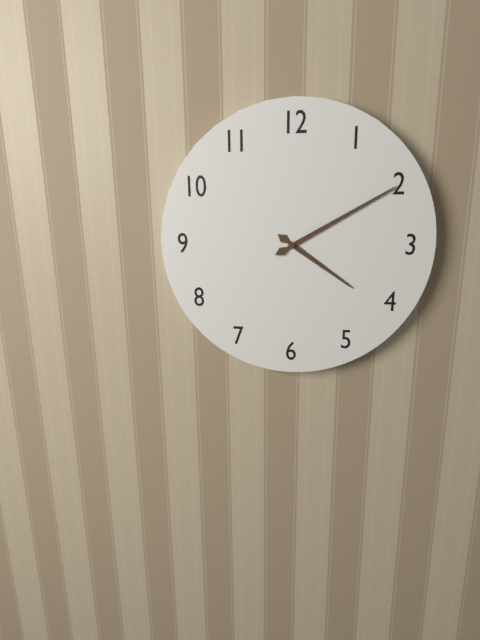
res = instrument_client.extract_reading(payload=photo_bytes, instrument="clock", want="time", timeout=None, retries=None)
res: 4:10
